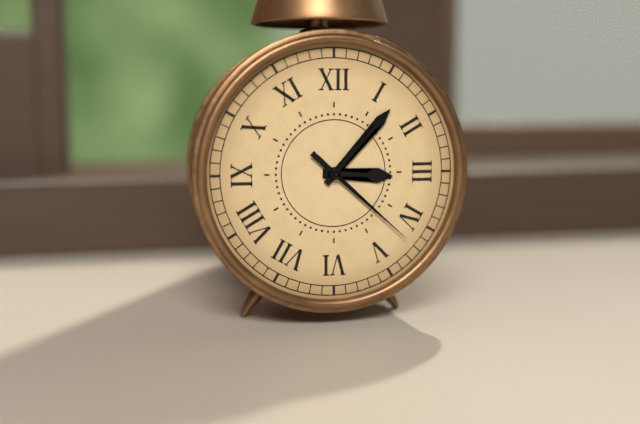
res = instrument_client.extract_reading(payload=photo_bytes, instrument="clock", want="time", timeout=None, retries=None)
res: 3:07:22
